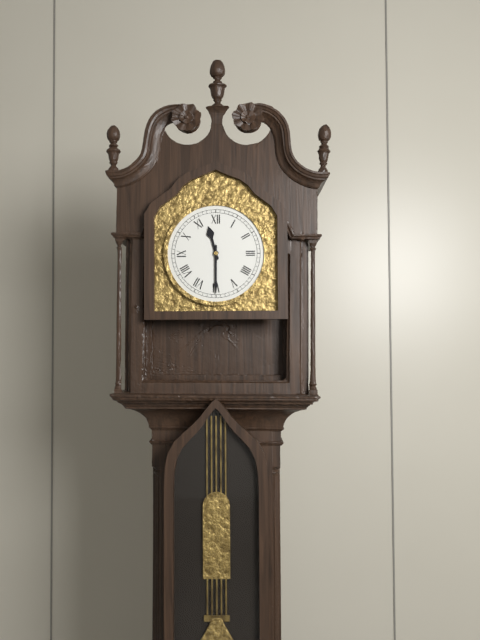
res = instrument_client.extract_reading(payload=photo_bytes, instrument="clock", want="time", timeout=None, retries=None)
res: 11:30
